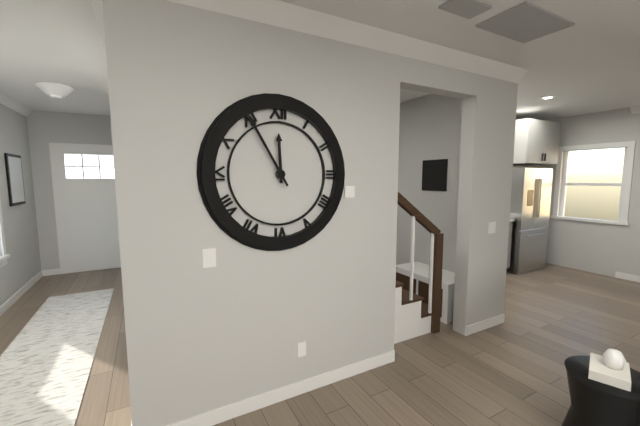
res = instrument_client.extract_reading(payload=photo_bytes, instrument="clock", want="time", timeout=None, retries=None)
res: 11:55
